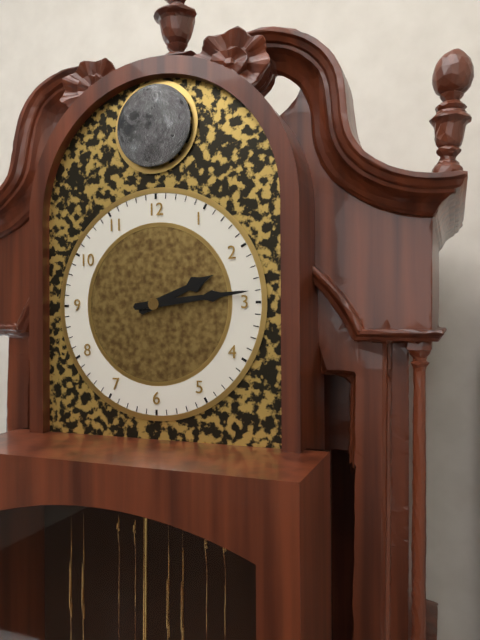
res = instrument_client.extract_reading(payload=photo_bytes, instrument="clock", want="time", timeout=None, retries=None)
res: 2:14
